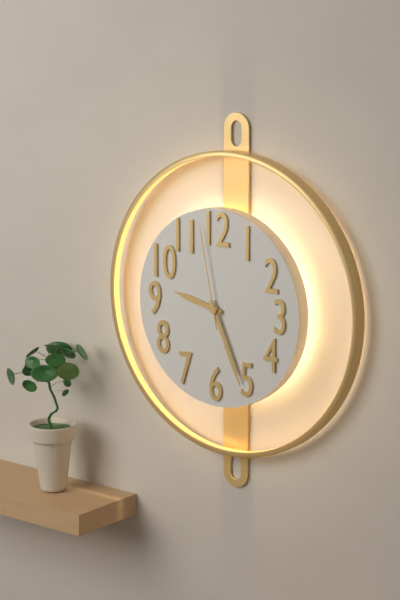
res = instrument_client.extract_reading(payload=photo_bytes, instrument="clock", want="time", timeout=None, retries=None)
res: 9:26:58
